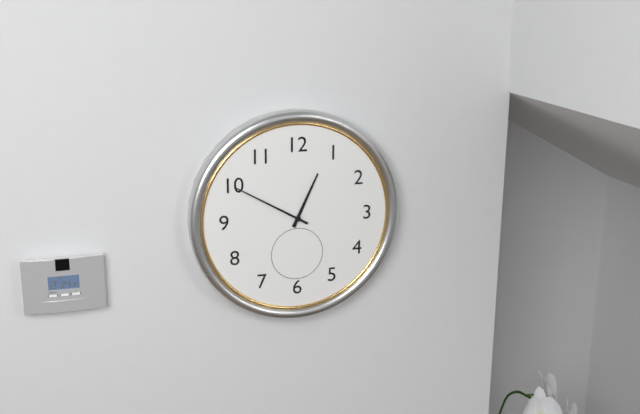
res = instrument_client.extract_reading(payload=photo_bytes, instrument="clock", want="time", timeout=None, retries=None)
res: 12:50
